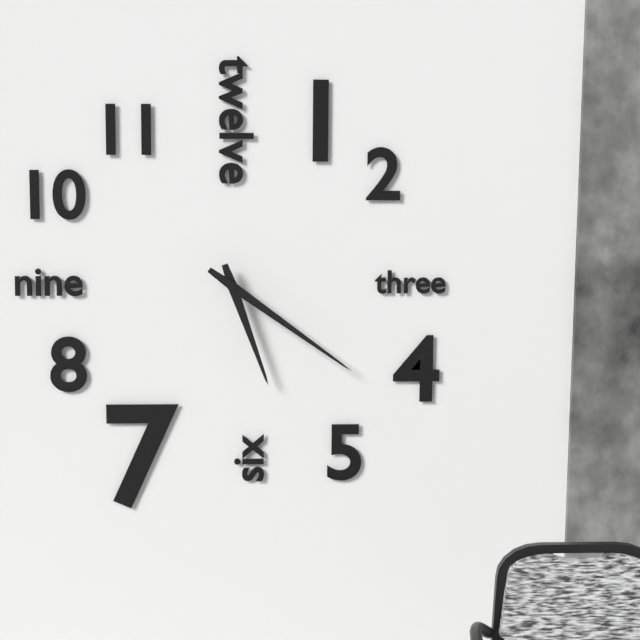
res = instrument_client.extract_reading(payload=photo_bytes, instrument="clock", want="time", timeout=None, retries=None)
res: 5:21
